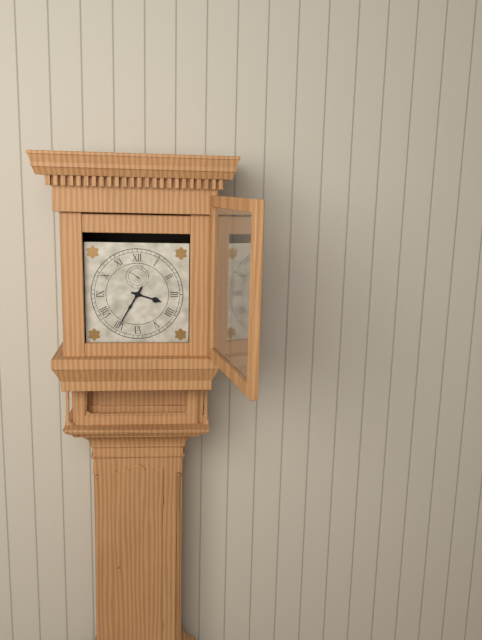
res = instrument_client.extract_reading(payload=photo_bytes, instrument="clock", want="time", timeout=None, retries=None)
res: 3:35
